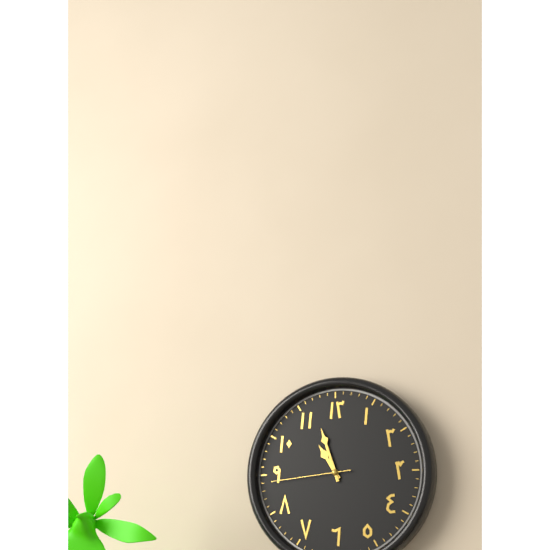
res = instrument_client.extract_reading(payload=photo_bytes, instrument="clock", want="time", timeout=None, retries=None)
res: 10:57:44
